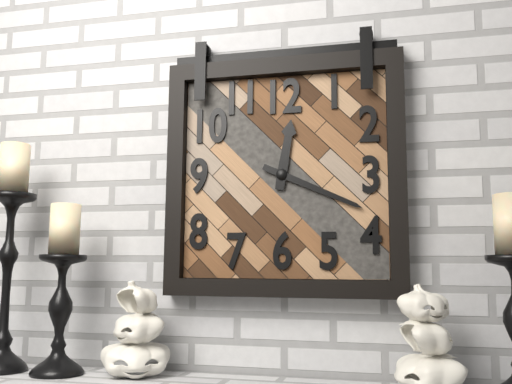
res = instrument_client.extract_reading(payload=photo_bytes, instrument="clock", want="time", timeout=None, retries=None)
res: 12:19
